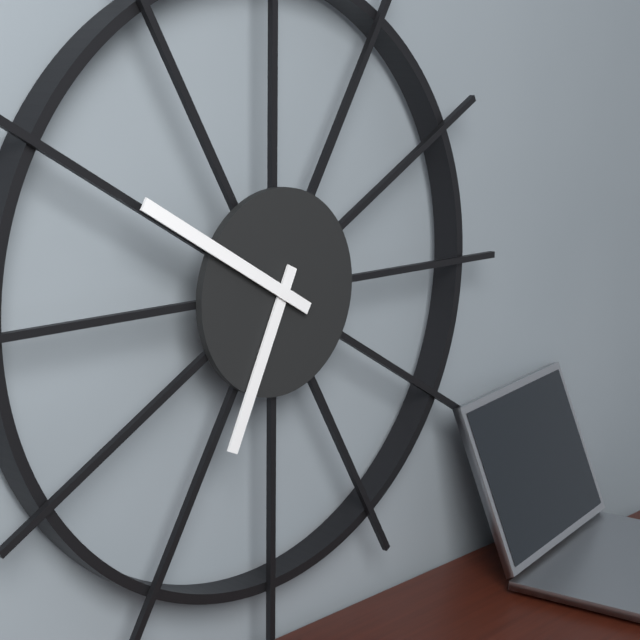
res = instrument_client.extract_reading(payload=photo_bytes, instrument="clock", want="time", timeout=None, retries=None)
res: 6:50
